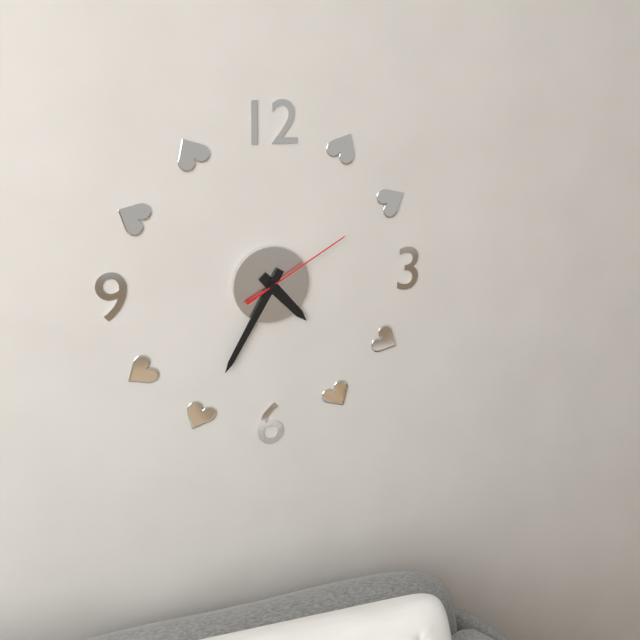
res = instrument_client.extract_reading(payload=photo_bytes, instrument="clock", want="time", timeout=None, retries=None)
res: 4:35:10
